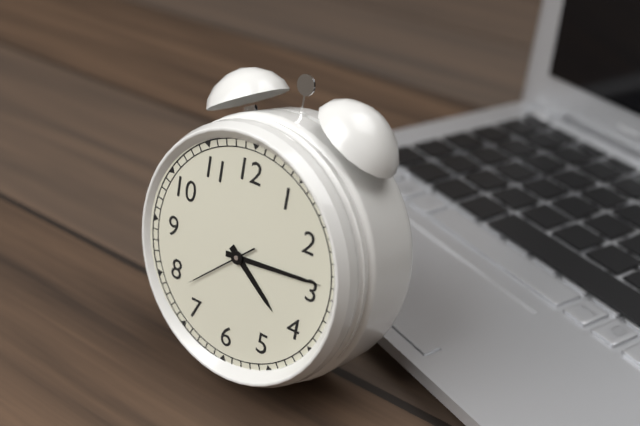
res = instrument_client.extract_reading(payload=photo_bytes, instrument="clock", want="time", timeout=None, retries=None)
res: 4:14:38
